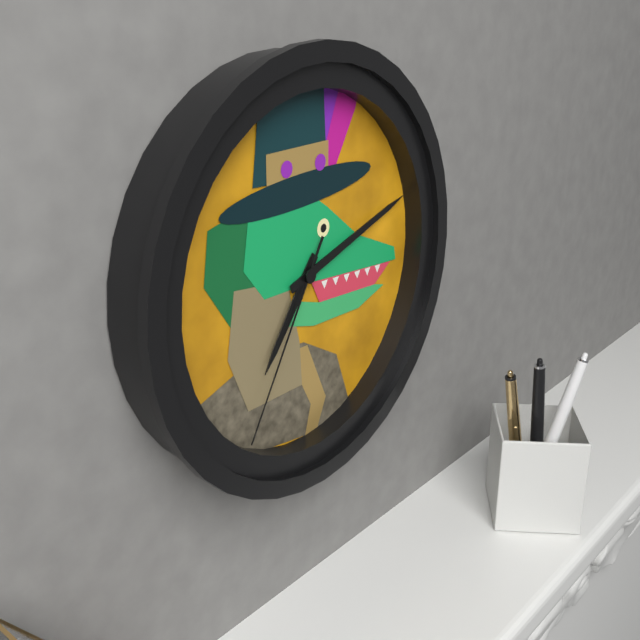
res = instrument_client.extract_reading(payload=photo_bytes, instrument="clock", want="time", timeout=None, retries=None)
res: 7:12:35
